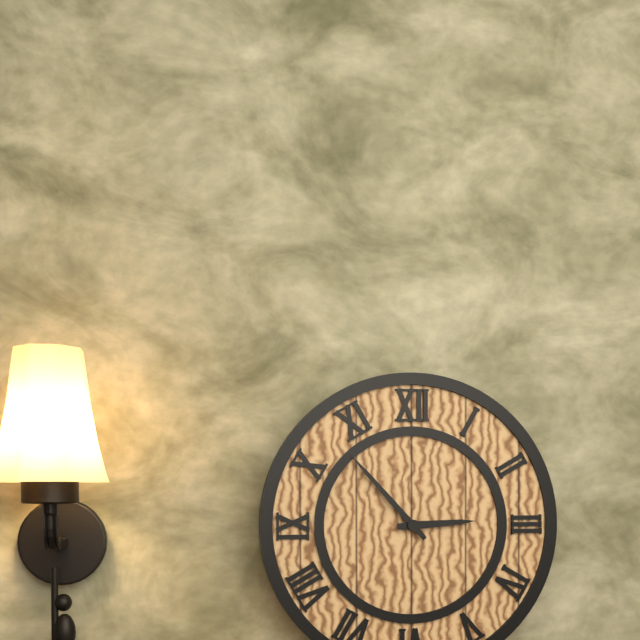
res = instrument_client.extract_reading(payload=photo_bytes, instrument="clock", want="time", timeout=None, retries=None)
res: 2:53
